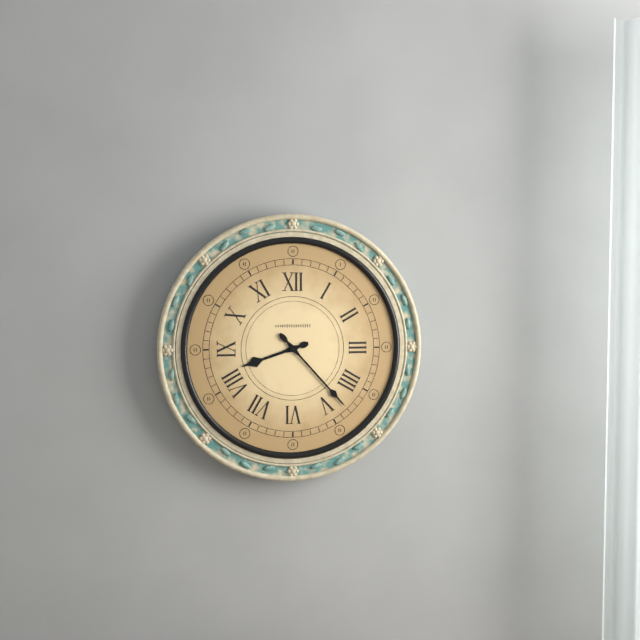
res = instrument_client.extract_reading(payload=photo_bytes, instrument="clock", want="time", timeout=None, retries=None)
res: 8:23
